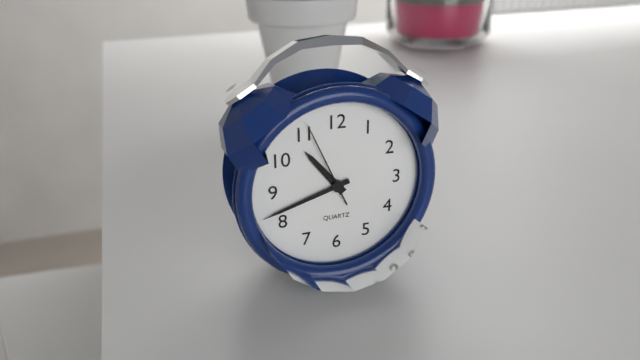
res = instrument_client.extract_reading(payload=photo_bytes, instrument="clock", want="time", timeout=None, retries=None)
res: 10:42:56
